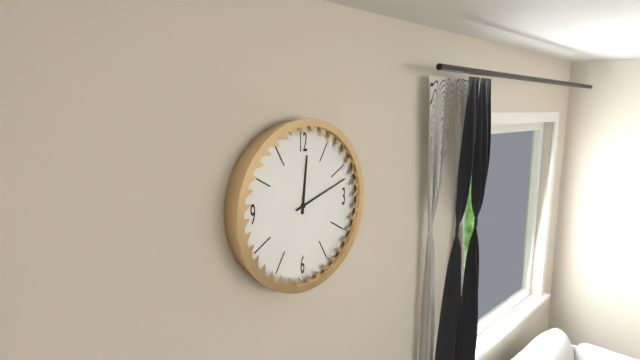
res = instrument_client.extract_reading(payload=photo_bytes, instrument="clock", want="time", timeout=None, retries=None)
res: 12:12
